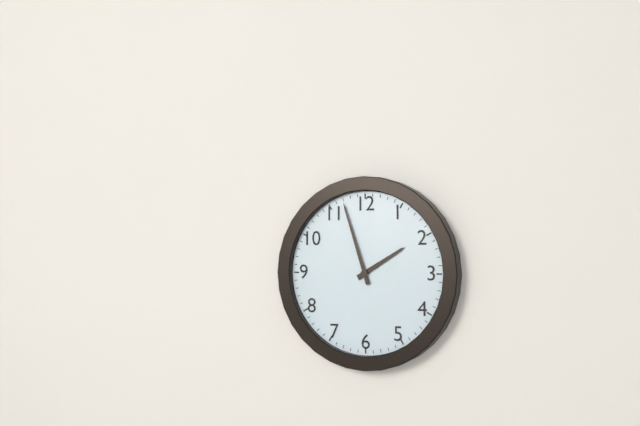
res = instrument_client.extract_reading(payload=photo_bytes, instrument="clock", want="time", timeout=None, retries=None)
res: 1:57
